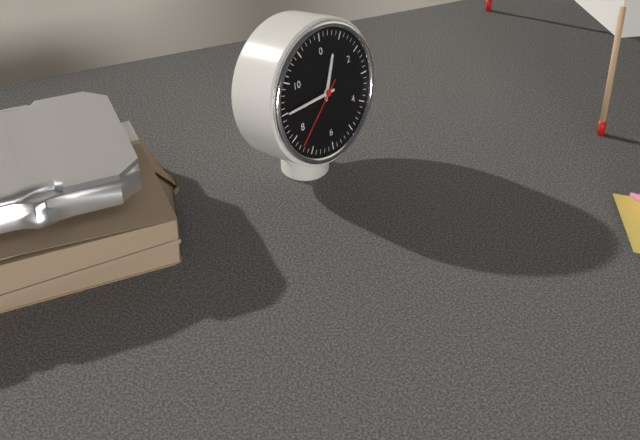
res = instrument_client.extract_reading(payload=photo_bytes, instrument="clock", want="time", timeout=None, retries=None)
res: 12:45:38
